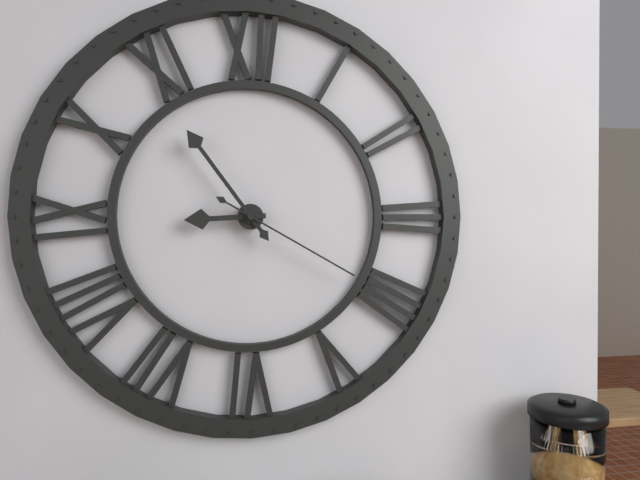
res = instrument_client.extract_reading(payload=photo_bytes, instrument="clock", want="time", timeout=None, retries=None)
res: 8:54:20
